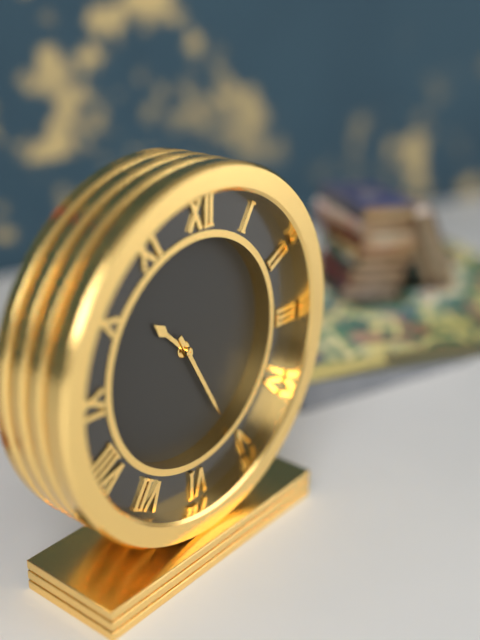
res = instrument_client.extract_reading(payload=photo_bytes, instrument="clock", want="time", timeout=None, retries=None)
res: 10:25
